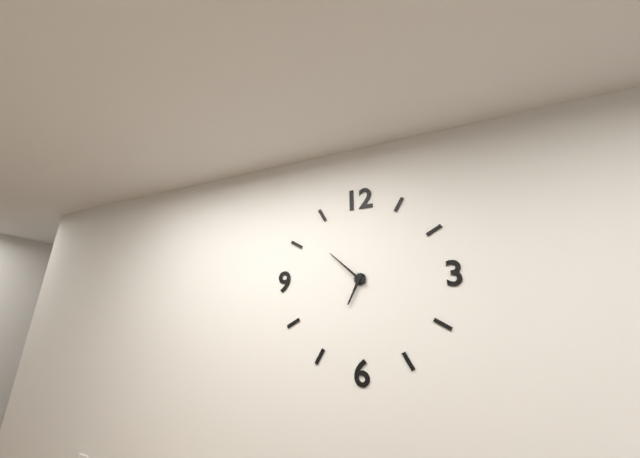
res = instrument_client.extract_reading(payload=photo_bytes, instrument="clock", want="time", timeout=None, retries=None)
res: 6:52
